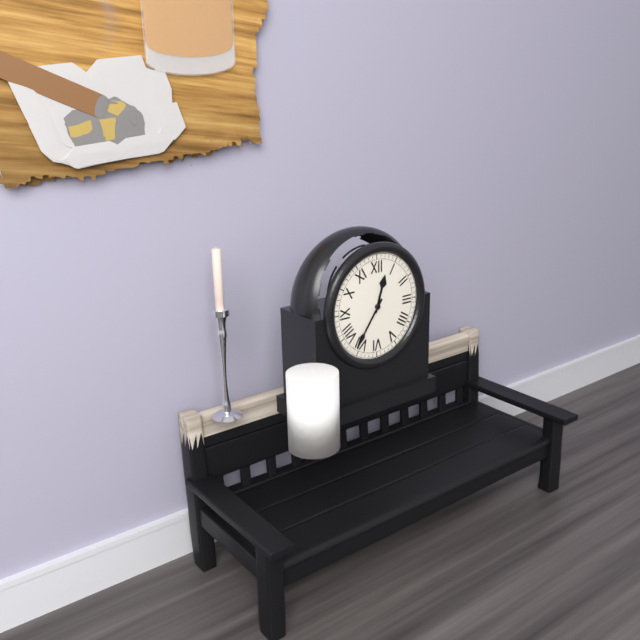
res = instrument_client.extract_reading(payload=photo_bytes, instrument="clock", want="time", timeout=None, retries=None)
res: 12:36
